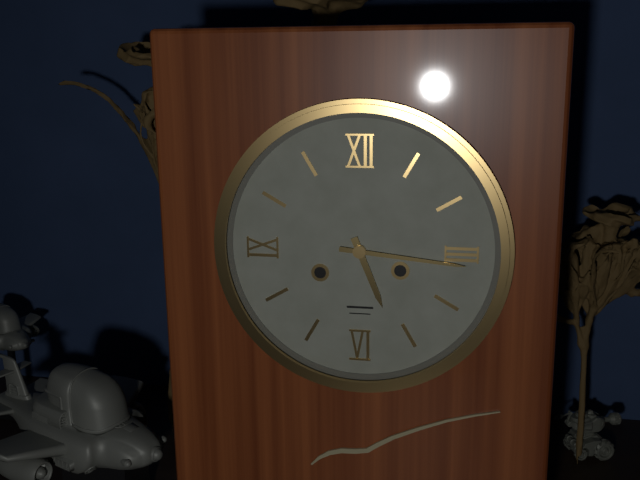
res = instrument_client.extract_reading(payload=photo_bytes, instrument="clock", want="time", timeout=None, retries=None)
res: 5:16
